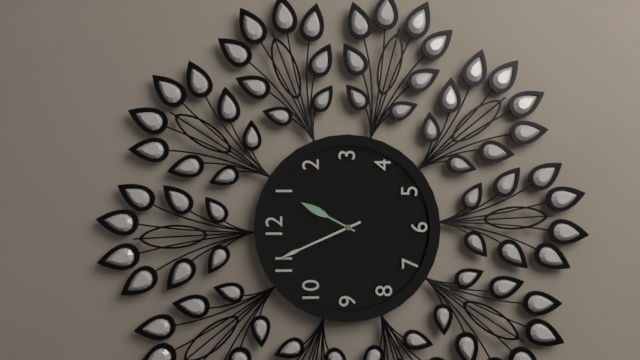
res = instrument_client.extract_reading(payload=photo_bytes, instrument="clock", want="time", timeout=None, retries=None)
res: 12:56
